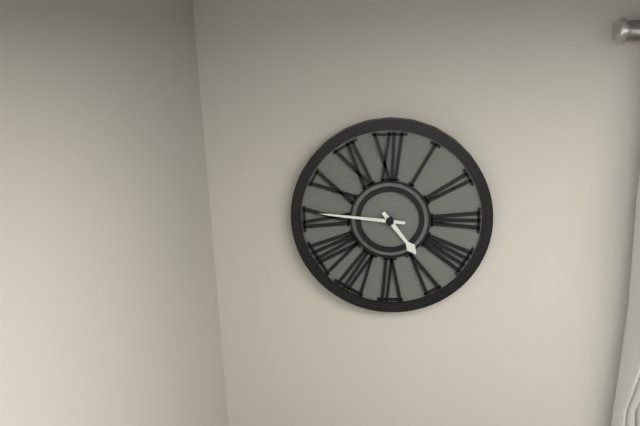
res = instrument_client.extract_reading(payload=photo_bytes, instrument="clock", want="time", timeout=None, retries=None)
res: 4:46
